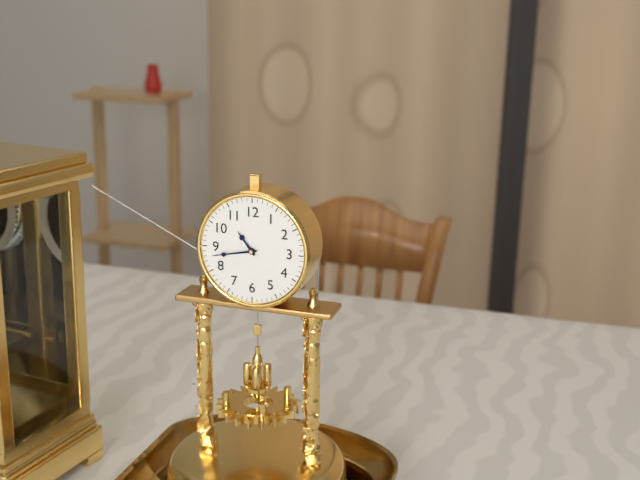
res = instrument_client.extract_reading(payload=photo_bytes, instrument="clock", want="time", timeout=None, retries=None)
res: 10:43
